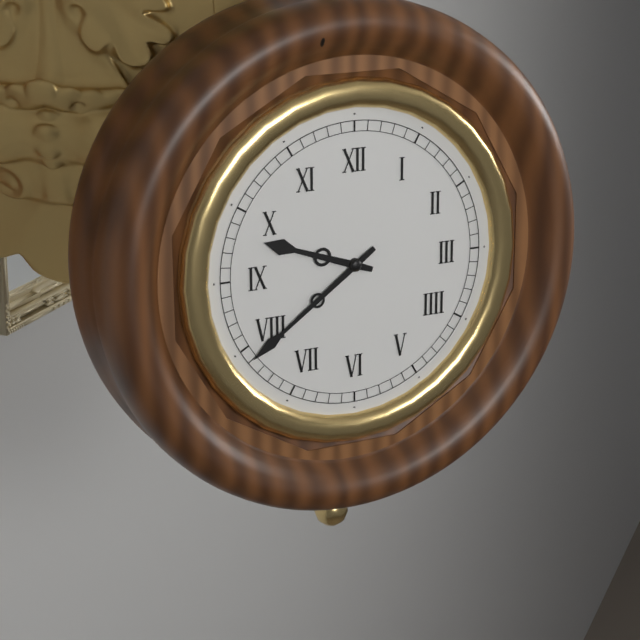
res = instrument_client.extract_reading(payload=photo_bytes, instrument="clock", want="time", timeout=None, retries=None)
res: 9:39
